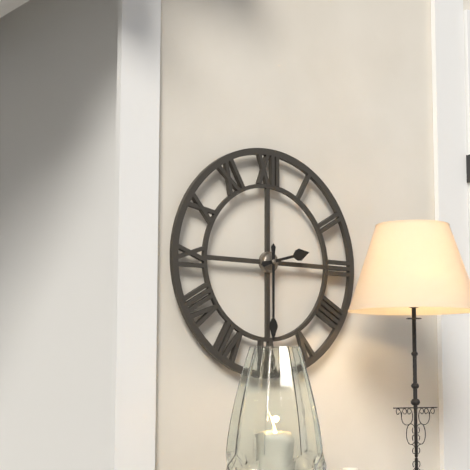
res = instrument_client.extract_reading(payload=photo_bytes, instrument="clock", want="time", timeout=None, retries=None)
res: 2:30
